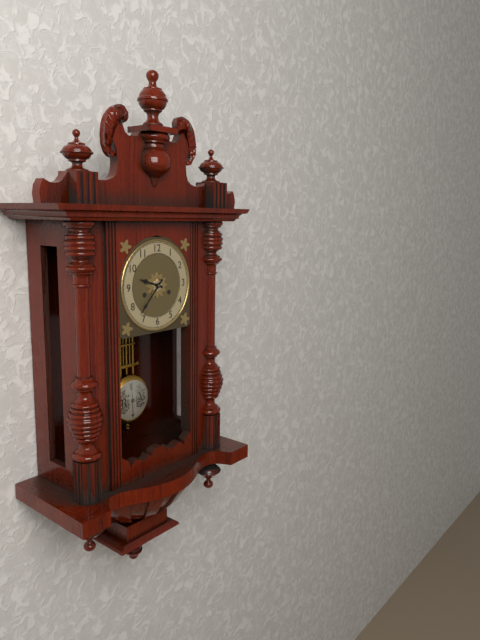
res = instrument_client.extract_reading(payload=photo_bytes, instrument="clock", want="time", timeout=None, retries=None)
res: 9:37
